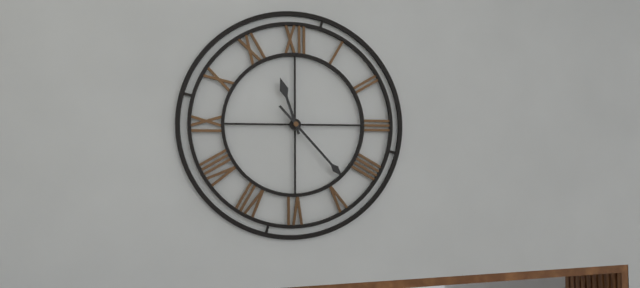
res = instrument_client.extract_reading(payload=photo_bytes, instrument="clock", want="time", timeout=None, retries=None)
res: 11:23
